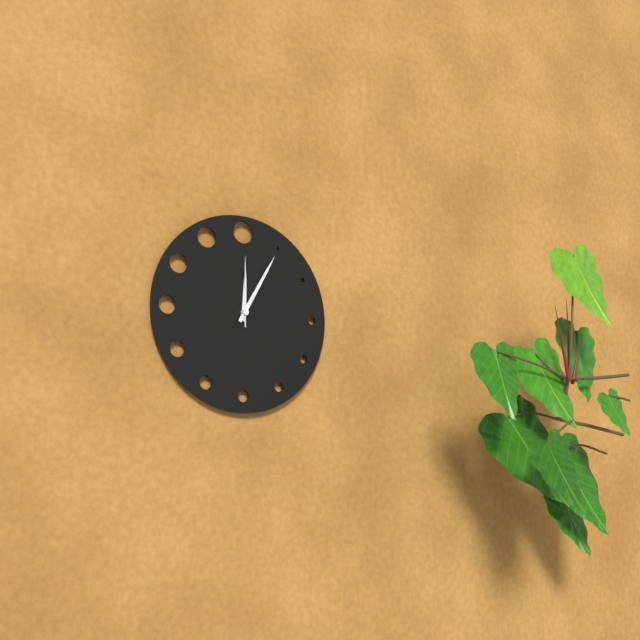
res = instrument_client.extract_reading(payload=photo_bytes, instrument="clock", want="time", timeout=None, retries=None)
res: 12:05:00
